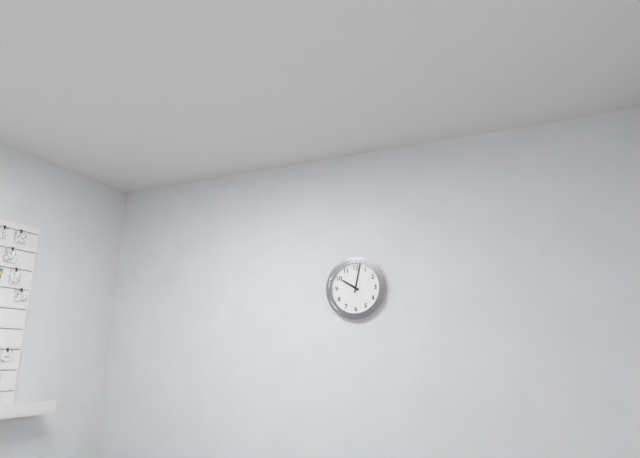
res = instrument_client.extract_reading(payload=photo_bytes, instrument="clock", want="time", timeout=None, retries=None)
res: 10:02
